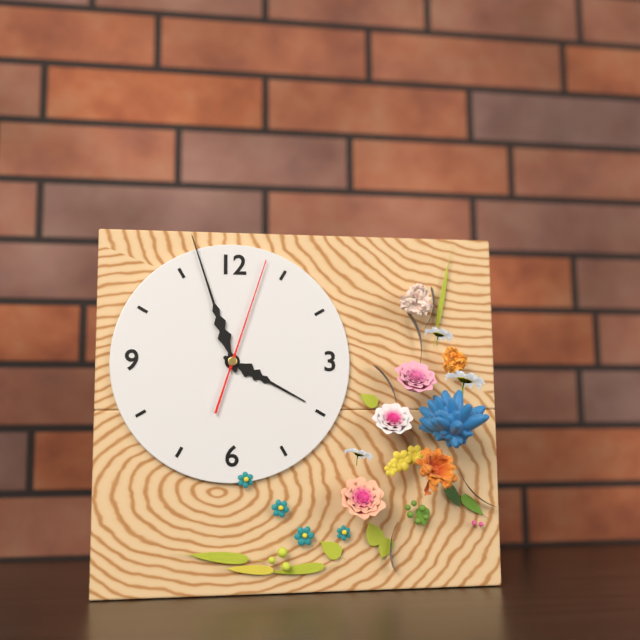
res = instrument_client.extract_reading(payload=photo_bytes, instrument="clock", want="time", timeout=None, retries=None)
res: 3:57:03
